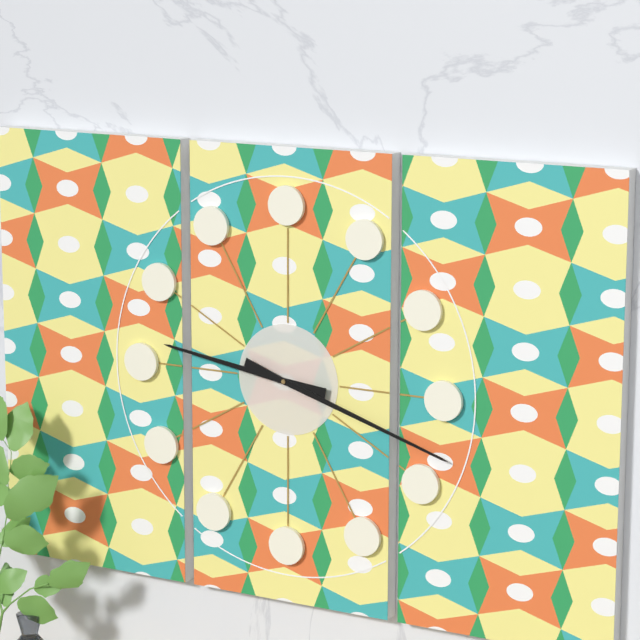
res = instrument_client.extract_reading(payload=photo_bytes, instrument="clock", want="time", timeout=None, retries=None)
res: 9:18
